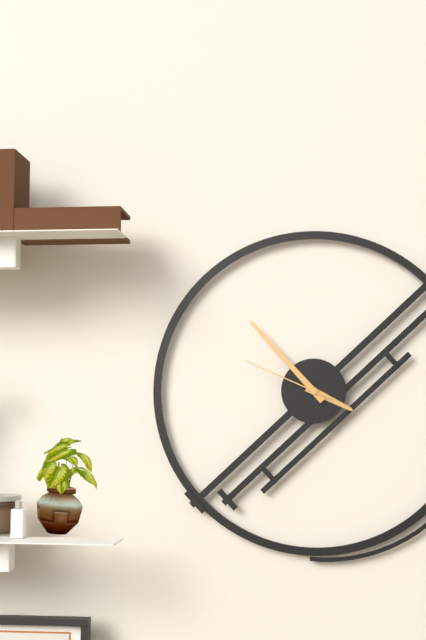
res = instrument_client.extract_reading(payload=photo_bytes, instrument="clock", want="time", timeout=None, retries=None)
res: 3:53:49
